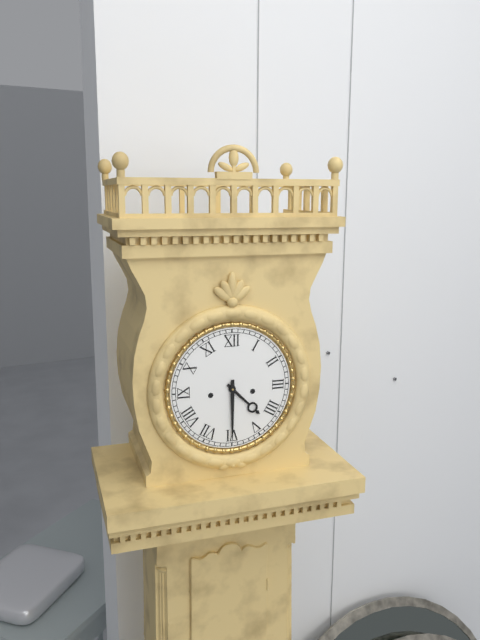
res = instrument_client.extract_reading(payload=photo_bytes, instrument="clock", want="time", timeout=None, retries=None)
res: 4:30
